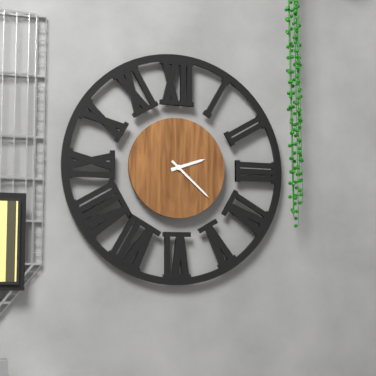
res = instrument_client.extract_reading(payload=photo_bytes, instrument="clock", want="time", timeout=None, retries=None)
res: 2:22
